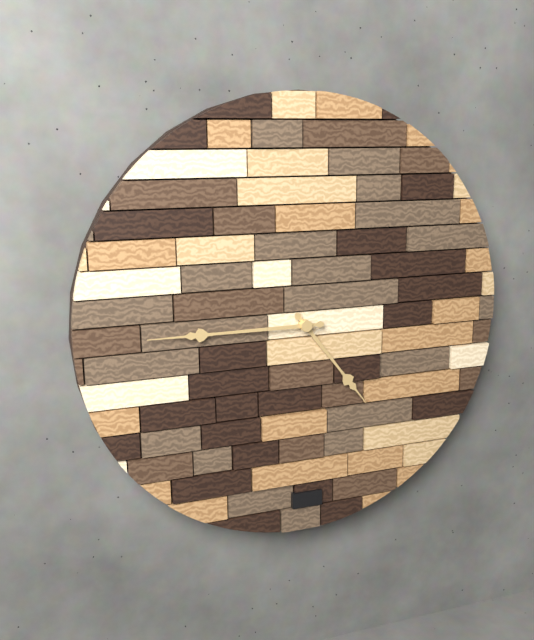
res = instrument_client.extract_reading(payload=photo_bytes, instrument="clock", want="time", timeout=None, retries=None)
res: 4:45
